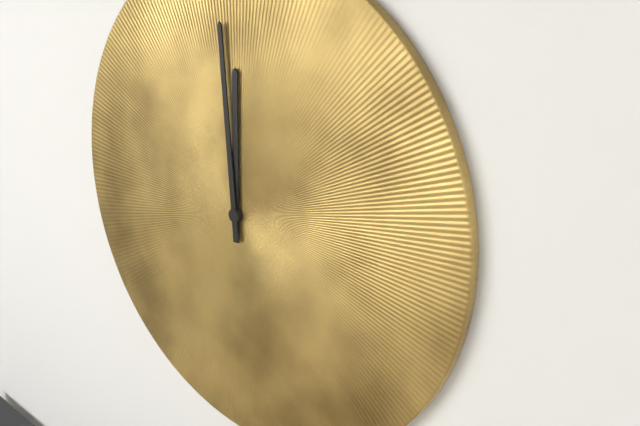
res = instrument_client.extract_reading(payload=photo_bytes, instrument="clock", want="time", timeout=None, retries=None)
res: 11:59
